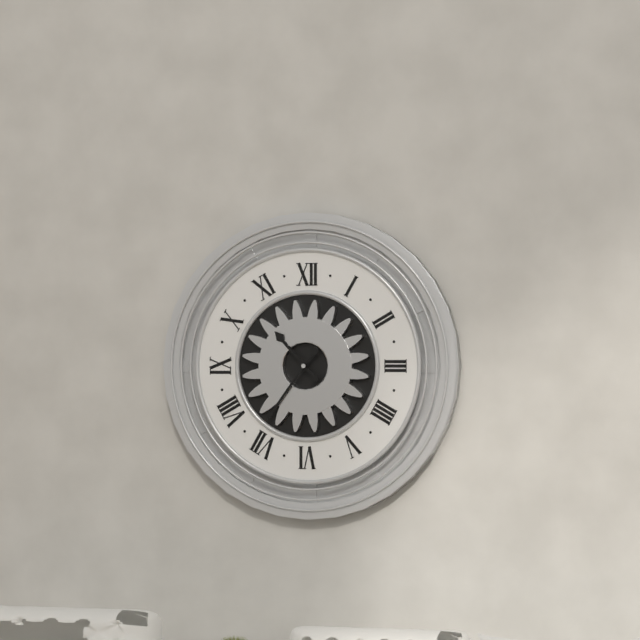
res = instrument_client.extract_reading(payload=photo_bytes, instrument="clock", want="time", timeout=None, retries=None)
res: 10:36
